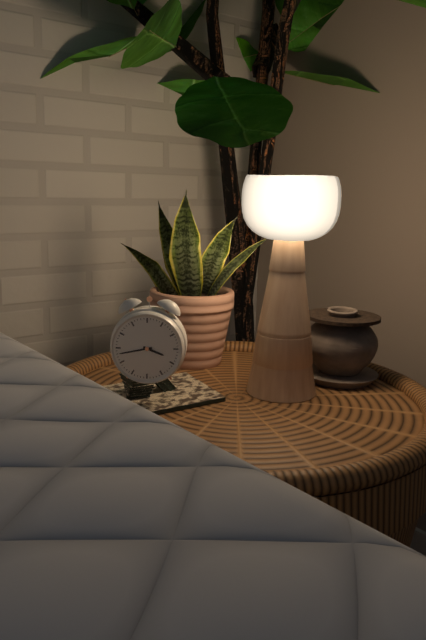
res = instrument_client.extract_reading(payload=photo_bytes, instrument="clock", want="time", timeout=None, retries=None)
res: 3:43
